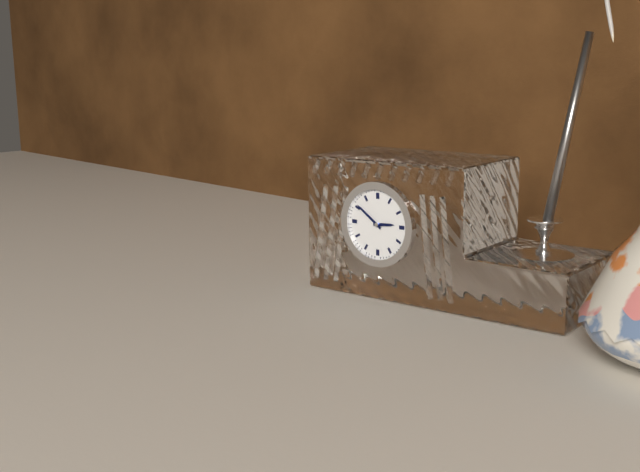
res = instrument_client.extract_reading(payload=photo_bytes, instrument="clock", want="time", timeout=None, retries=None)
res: 2:51
